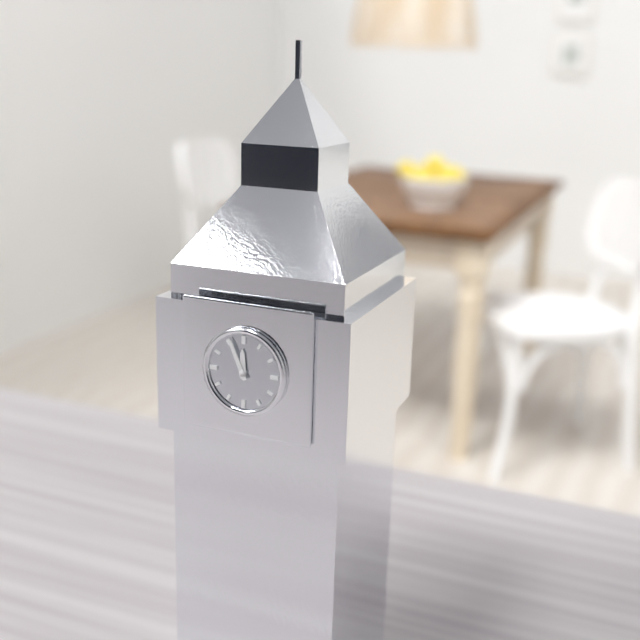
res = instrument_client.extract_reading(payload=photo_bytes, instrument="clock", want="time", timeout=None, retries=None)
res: 11:56
